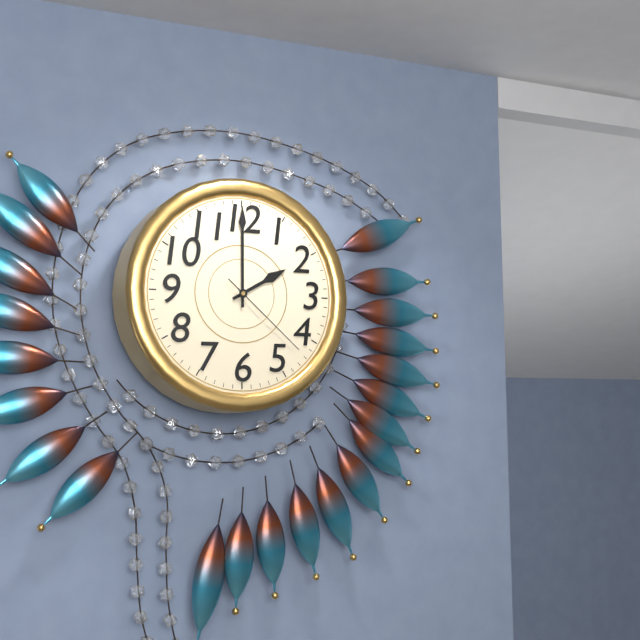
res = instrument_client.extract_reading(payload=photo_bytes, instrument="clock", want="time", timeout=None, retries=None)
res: 2:00:22
